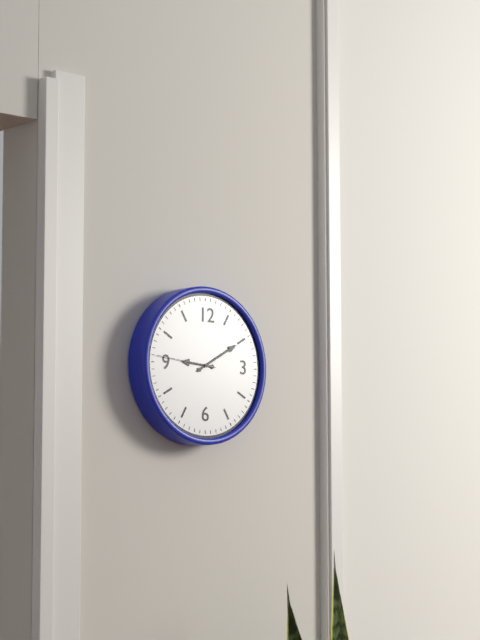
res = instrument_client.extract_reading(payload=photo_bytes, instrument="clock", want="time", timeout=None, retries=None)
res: 9:10:46
